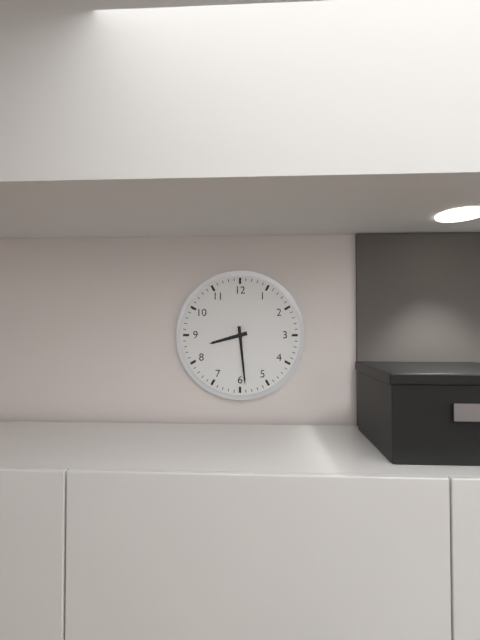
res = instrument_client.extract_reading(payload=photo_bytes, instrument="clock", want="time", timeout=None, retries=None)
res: 8:29
